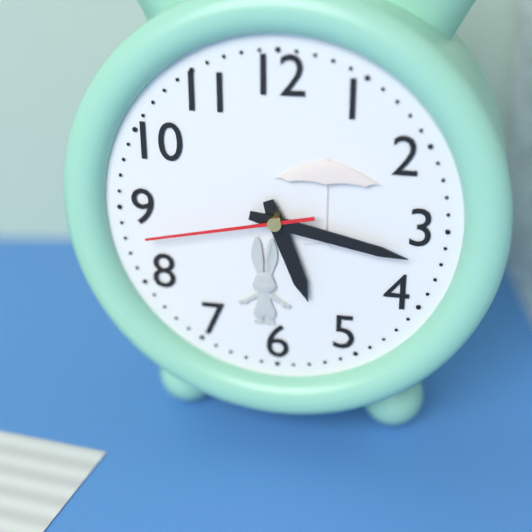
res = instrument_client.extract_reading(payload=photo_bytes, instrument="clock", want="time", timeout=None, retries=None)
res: 5:17:43
